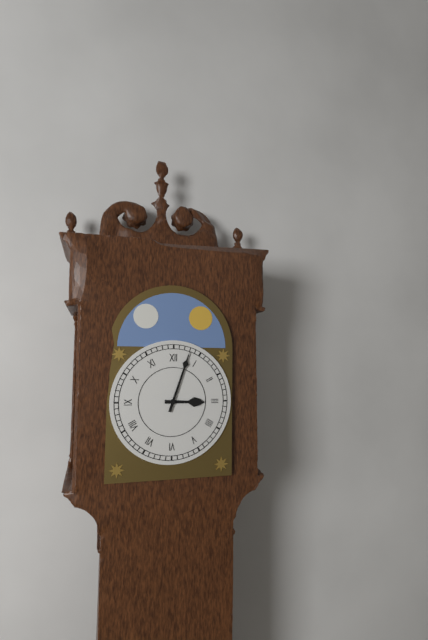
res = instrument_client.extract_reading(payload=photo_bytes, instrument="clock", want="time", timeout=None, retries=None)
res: 3:03
